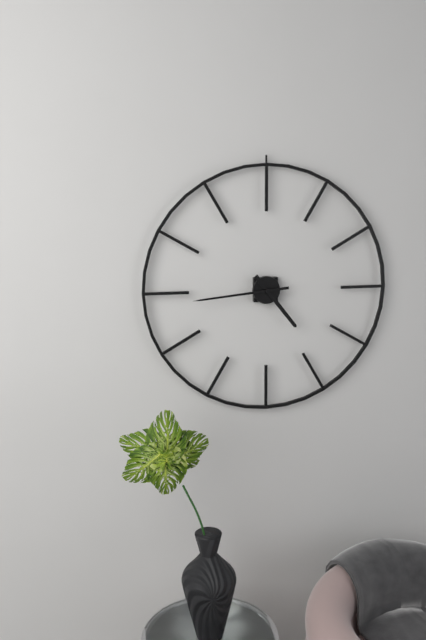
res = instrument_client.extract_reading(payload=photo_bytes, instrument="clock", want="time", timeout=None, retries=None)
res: 4:44
